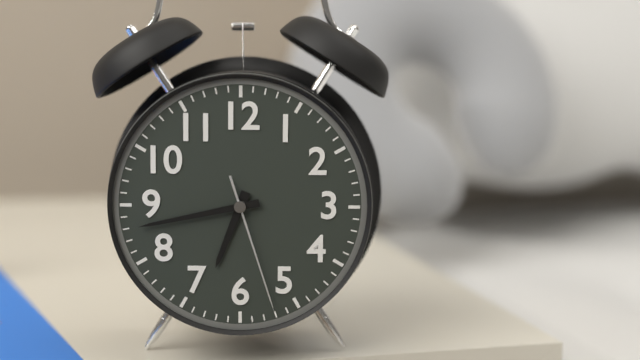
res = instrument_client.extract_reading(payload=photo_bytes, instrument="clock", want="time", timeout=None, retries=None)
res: 6:43:27
